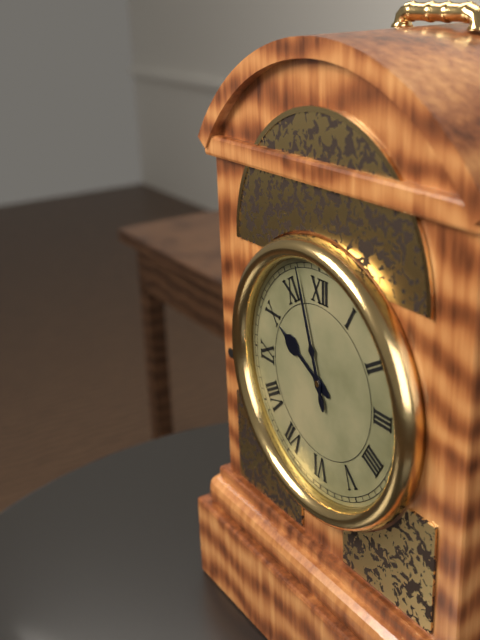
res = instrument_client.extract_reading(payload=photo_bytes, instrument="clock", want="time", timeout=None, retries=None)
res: 9:57
